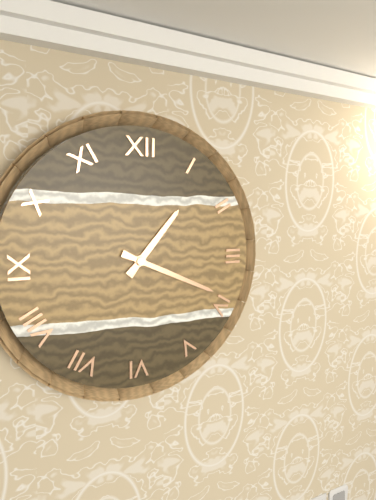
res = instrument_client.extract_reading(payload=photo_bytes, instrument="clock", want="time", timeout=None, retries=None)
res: 1:19
